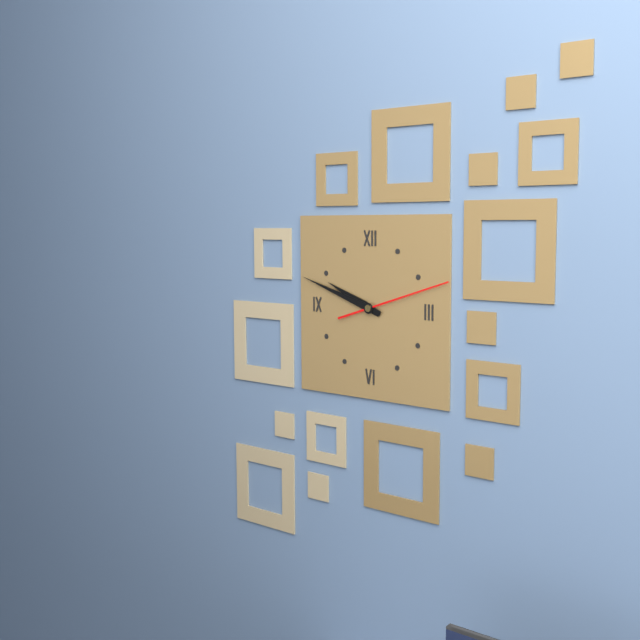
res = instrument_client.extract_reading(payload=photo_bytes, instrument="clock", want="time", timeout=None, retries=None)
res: 9:48:12
